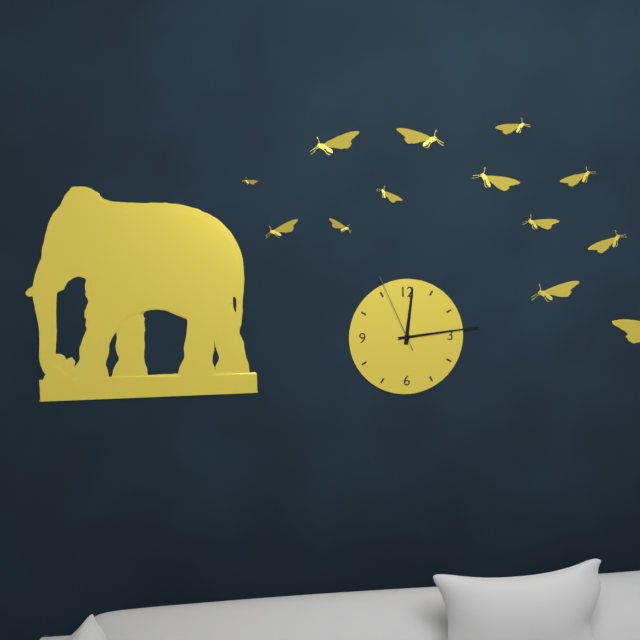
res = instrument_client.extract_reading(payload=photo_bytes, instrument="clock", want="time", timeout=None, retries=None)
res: 12:14:56
